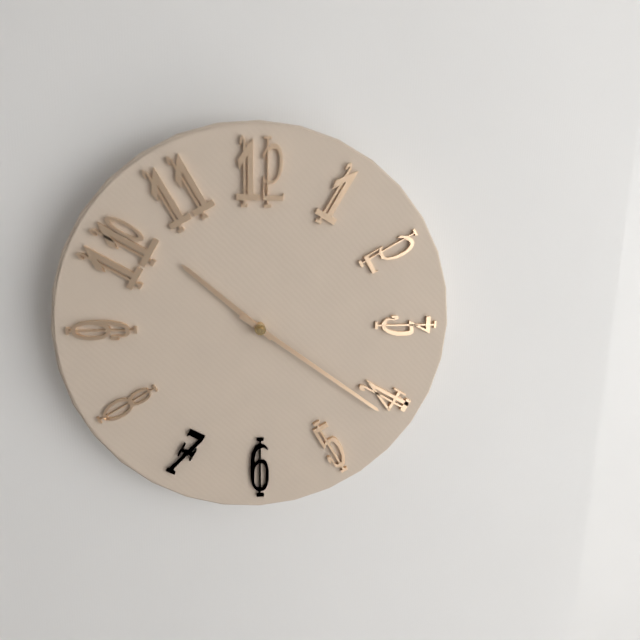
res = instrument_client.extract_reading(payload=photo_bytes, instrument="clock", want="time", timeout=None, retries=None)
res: 10:21
